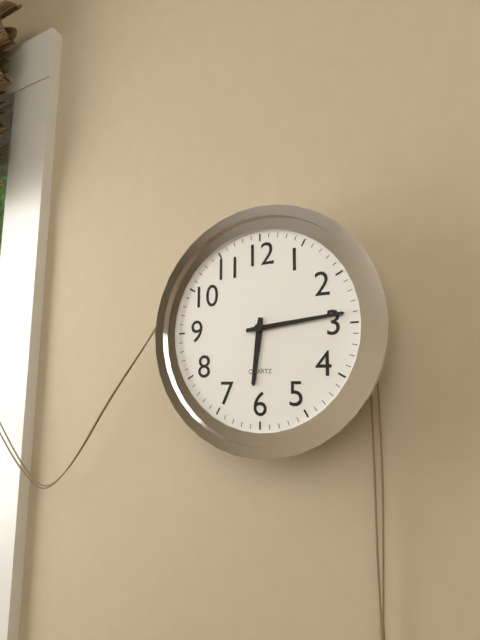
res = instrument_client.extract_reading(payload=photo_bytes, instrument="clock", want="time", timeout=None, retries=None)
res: 6:14
